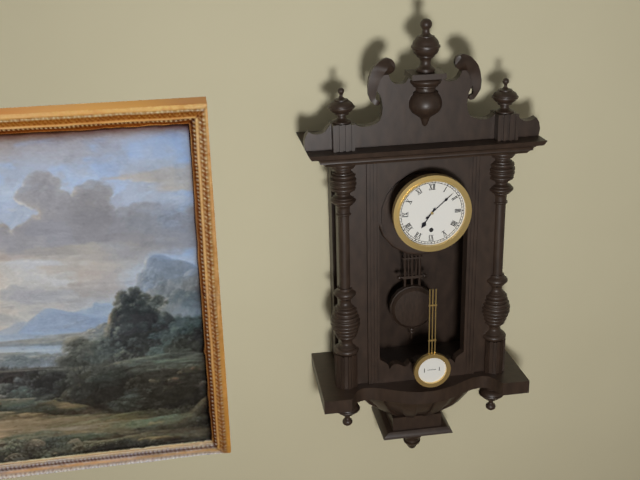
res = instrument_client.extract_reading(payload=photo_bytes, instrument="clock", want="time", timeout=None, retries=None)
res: 7:08
